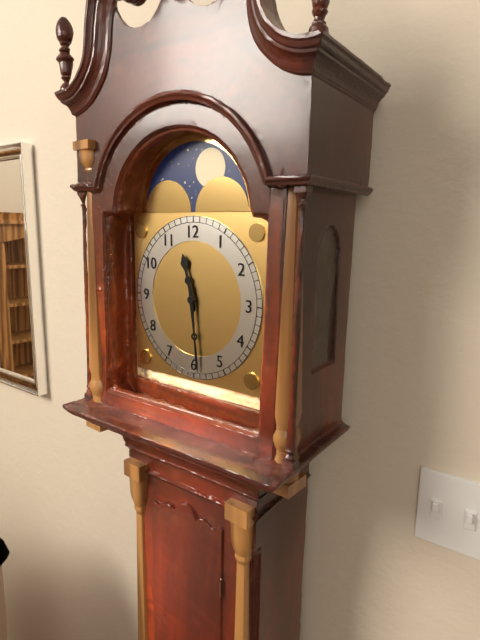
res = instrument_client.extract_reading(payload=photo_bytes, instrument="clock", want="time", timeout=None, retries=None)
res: 11:29
